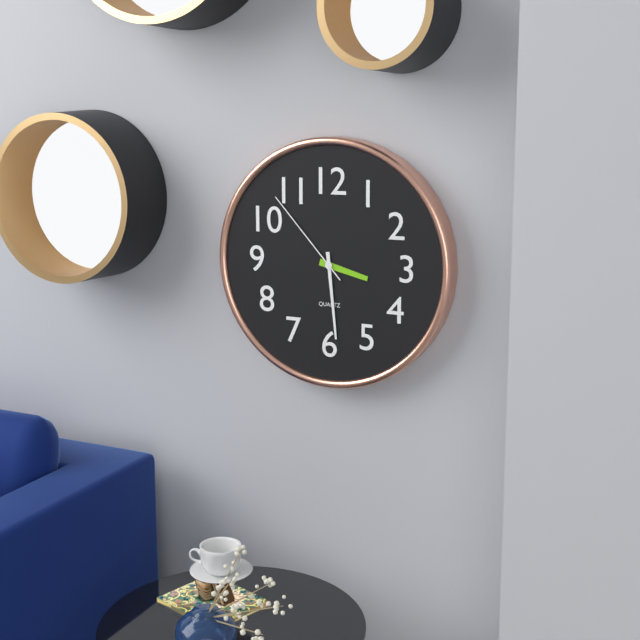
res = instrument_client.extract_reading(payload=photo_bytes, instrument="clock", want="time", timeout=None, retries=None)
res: 3:29:53
